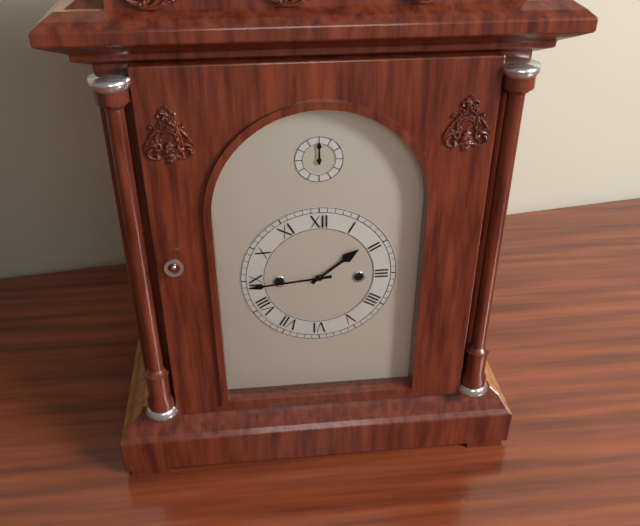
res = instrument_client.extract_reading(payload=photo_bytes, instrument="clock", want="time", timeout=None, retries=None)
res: 1:44
